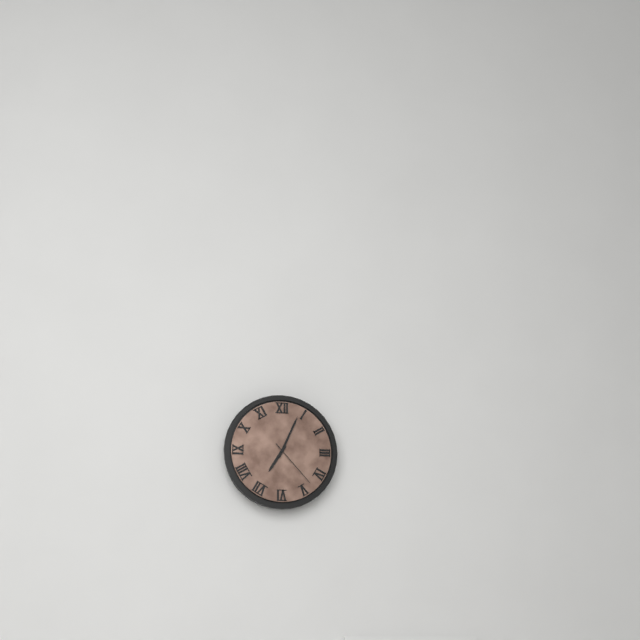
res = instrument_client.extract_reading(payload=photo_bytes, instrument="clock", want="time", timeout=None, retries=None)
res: 7:04:23
